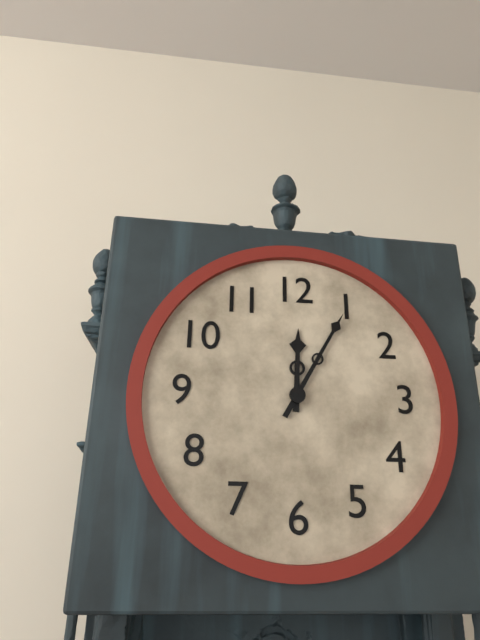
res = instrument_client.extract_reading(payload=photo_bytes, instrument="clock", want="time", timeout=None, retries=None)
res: 12:05
